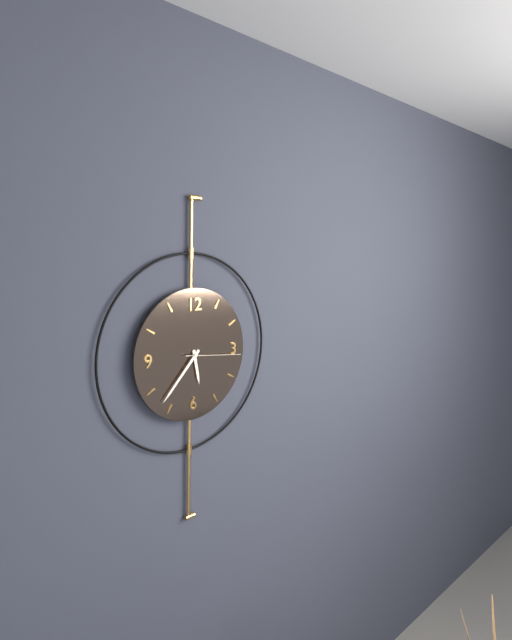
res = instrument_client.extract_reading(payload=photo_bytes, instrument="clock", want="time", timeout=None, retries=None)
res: 5:37:16
